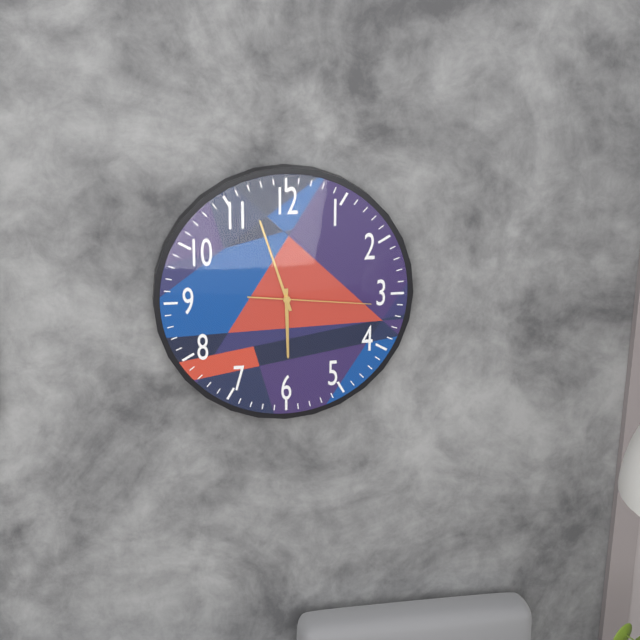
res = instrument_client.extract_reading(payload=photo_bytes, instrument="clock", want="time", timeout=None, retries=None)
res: 5:57:16
